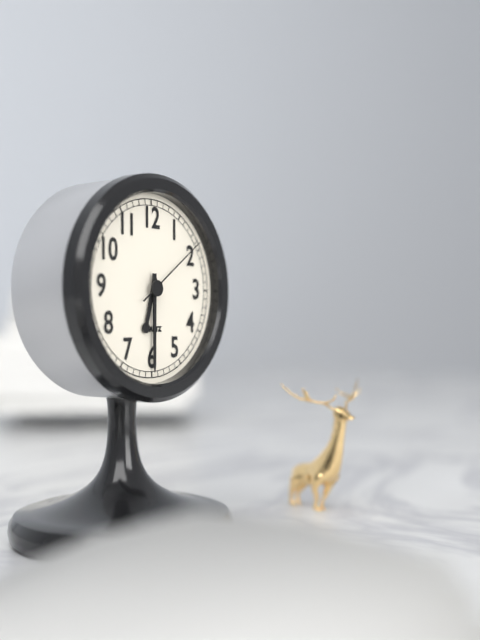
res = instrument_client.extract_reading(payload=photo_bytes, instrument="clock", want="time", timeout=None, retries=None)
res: 6:30:09
